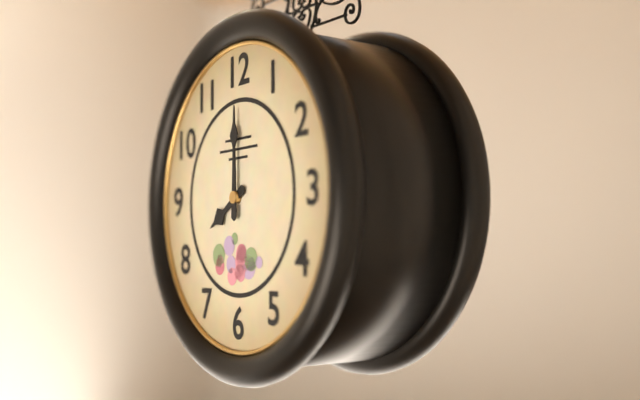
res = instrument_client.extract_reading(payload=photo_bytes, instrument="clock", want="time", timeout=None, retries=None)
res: 8:00
